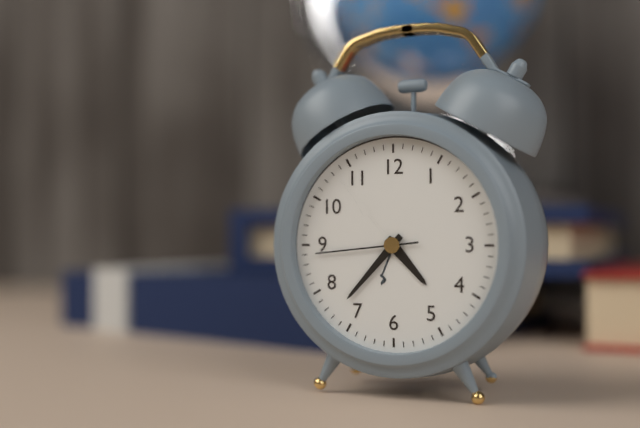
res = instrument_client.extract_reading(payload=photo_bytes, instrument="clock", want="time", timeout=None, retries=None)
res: 4:37:44
